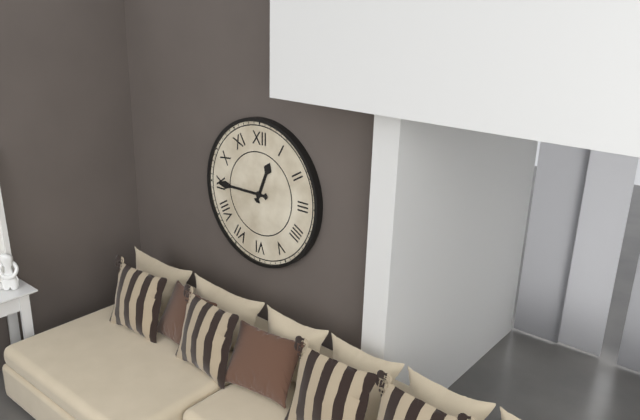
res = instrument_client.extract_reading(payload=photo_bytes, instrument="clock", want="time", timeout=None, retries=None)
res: 12:45
